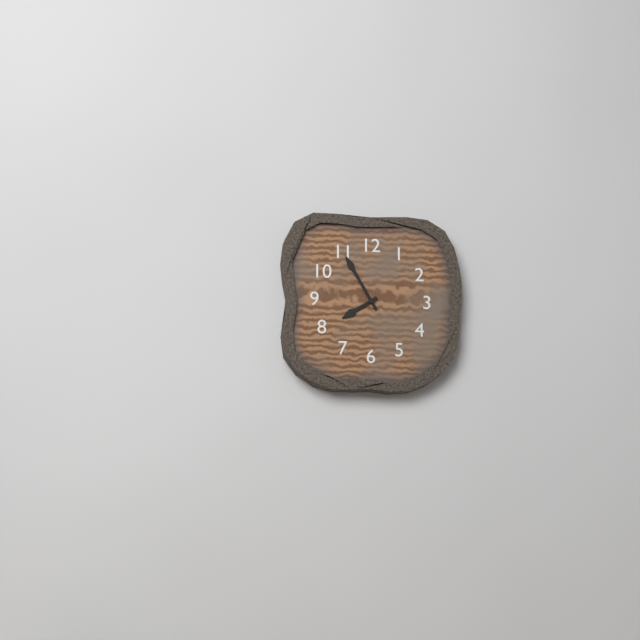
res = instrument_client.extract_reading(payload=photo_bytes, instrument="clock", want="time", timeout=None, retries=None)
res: 7:55
